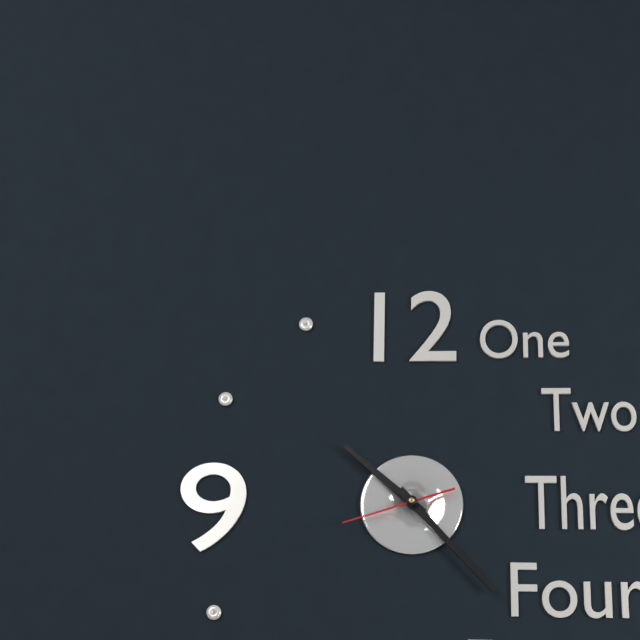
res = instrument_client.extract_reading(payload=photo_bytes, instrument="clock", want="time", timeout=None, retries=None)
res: 10:23:42
